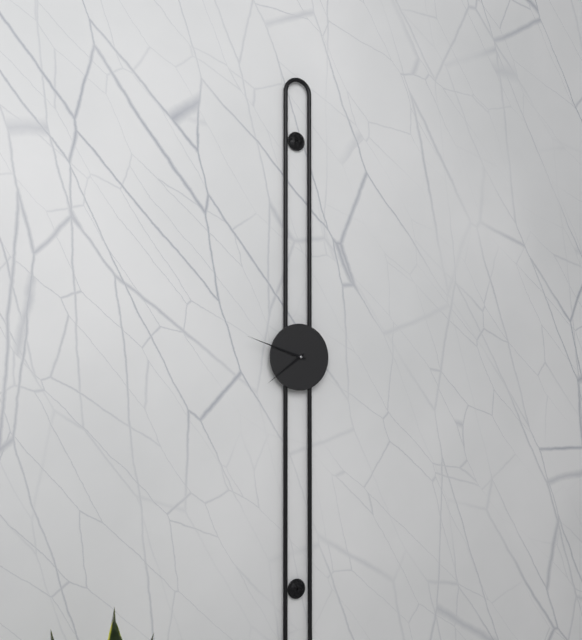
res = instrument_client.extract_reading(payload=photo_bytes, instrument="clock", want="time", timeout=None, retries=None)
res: 7:48
